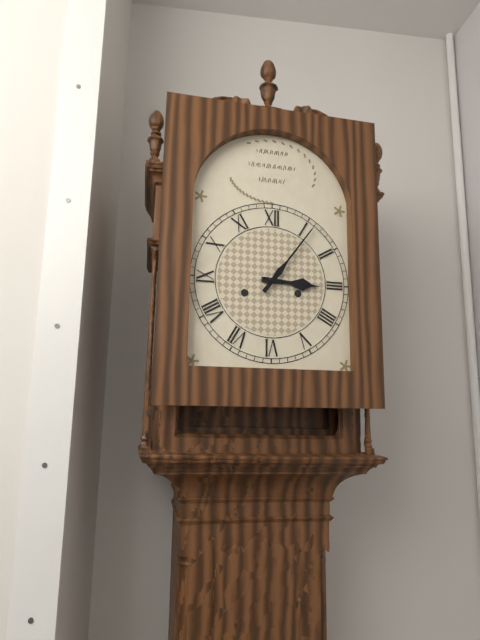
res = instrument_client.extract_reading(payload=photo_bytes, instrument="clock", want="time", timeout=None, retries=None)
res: 3:06
